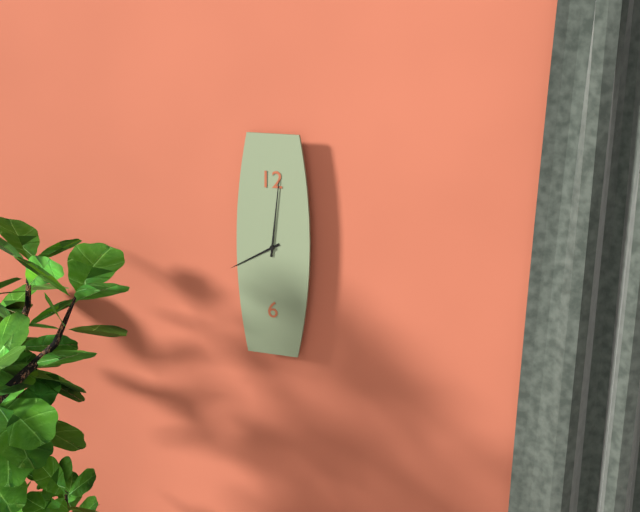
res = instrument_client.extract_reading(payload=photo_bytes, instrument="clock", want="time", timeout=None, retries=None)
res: 8:01
